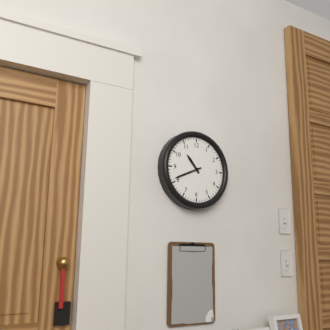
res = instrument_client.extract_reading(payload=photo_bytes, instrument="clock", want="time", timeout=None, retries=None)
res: 10:41
